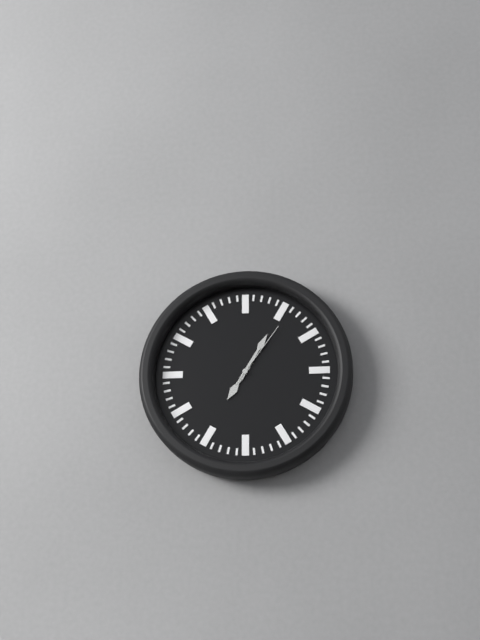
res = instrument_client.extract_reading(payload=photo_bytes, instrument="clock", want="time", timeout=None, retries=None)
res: 7:05:06
